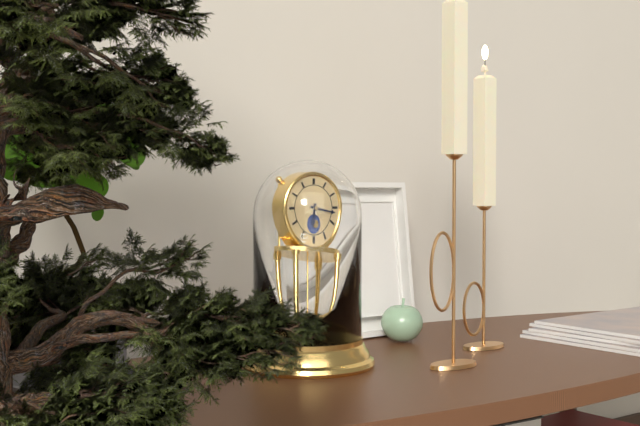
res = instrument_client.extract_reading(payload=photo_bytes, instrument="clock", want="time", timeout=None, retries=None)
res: 6:17
